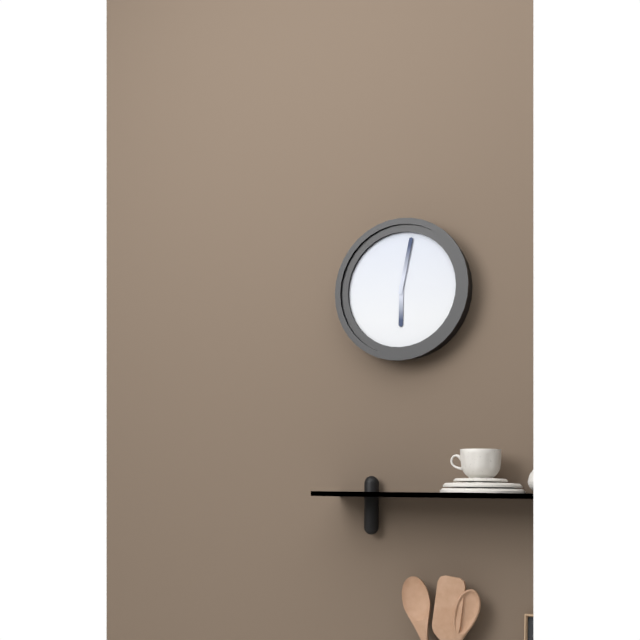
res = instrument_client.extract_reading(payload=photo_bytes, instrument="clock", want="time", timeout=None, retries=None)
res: 6:02
